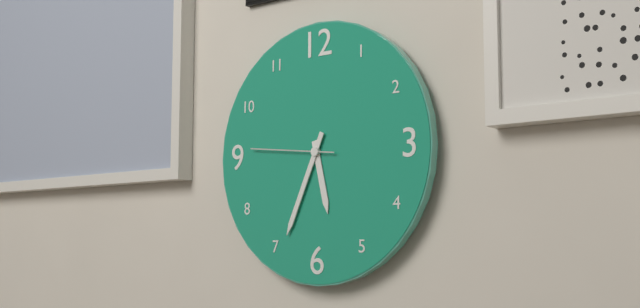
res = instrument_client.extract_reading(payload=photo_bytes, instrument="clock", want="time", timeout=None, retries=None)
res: 5:34:46
